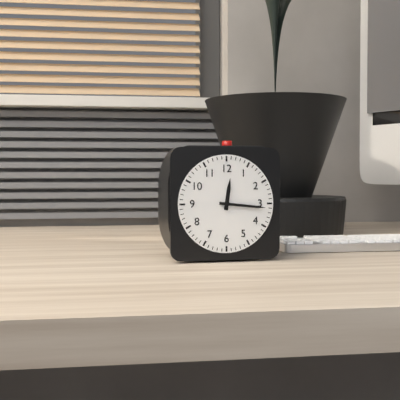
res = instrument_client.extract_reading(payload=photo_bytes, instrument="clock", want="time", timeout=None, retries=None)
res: 12:16
